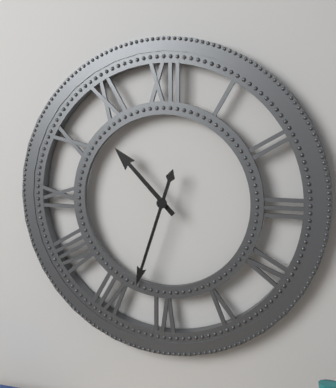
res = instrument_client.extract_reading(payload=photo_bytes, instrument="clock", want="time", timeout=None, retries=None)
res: 10:33
